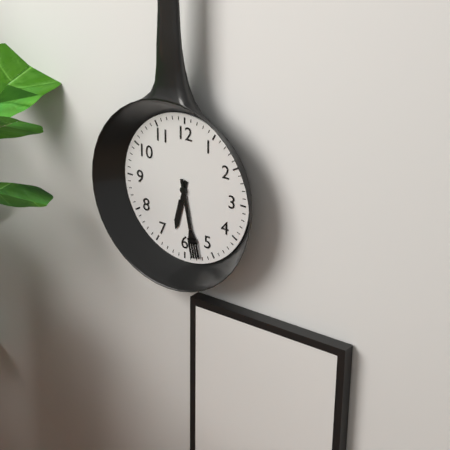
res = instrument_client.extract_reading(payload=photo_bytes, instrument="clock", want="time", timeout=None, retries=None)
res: 6:28
